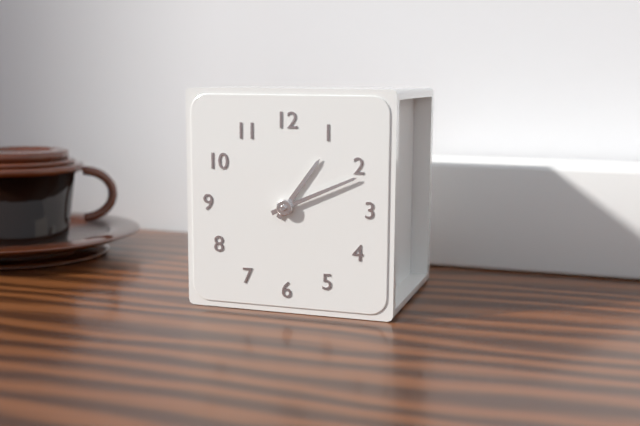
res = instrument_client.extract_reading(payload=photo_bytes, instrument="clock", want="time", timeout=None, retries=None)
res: 1:11
